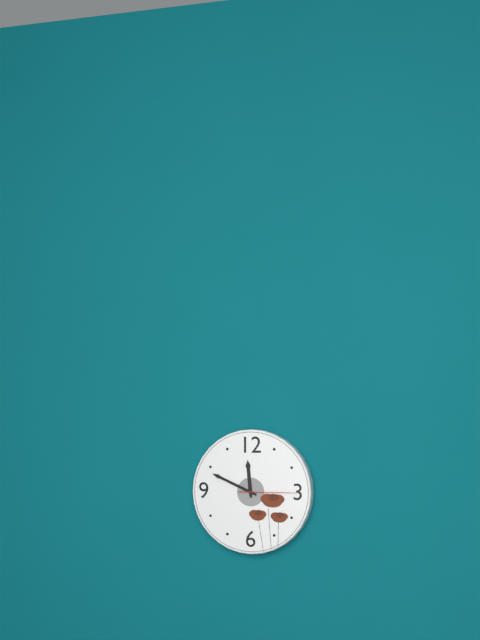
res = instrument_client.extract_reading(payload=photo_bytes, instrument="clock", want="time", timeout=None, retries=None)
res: 11:49:15
